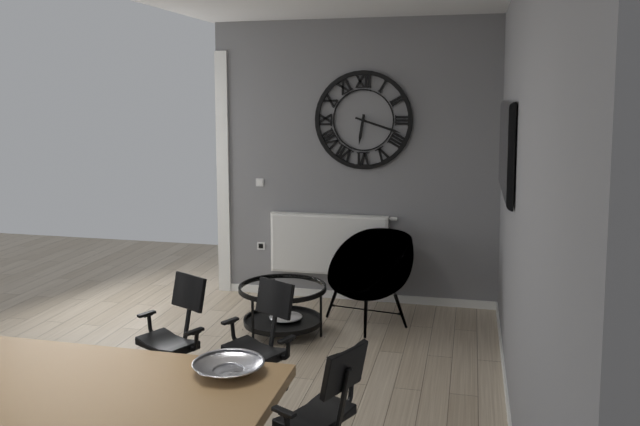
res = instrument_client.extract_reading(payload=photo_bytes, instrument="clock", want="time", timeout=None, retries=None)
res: 6:18
